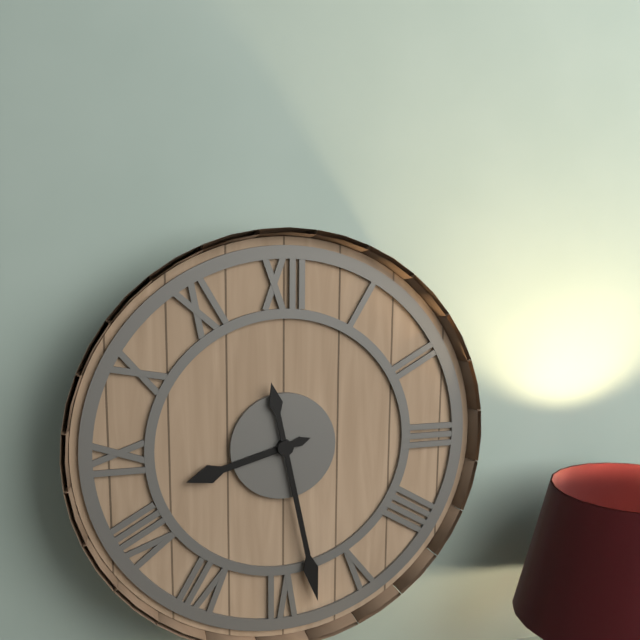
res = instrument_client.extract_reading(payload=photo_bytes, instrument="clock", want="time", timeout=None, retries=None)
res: 8:28
